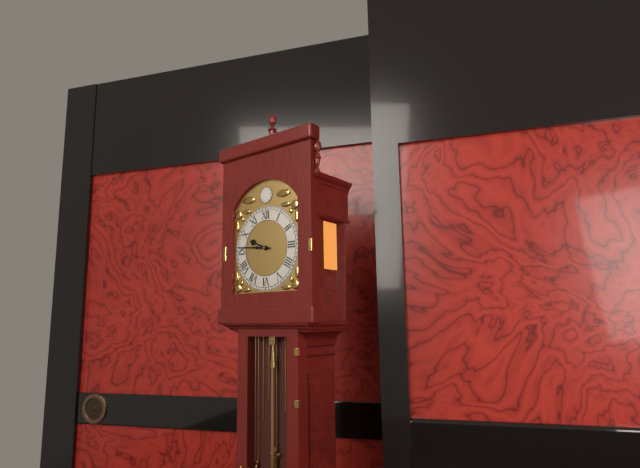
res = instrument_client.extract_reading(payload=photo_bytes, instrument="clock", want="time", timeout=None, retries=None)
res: 9:46
